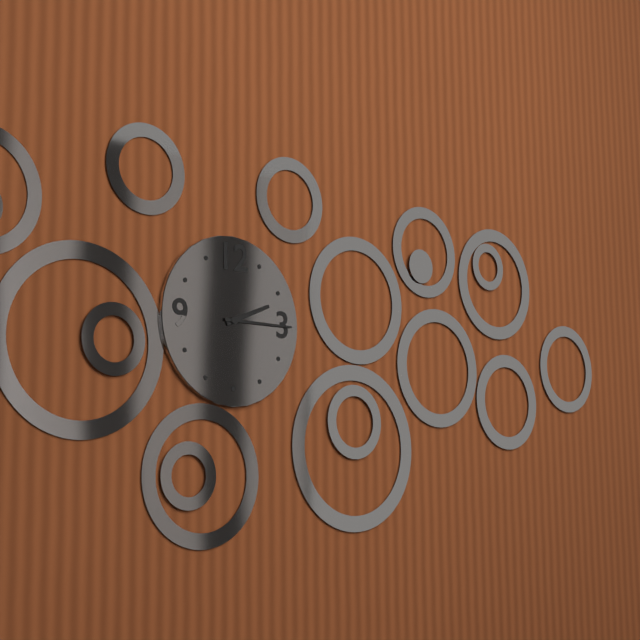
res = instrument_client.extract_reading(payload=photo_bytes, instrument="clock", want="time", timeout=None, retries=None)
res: 2:15
